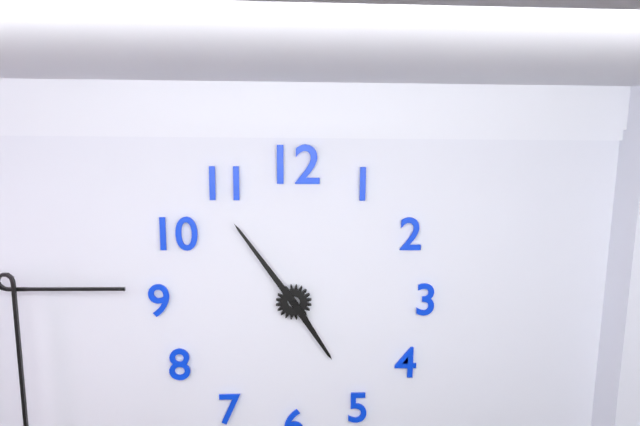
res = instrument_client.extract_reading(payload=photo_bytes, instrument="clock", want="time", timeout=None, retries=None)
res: 4:54
